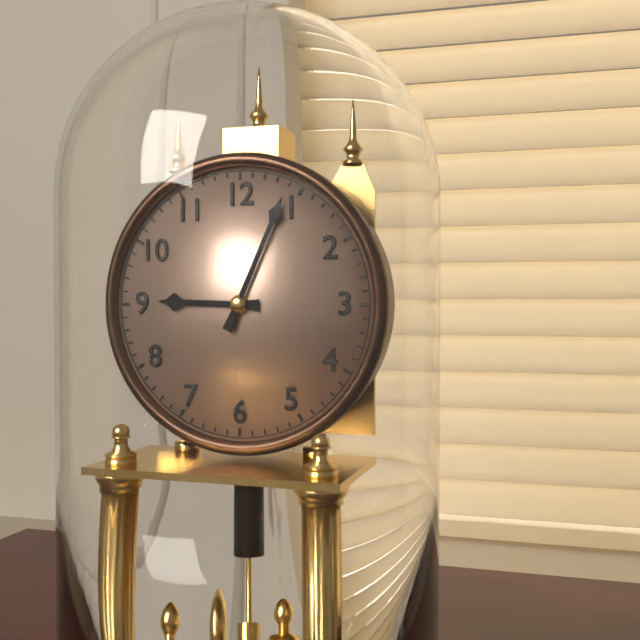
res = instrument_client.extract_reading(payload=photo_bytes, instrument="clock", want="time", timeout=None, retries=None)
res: 9:04
